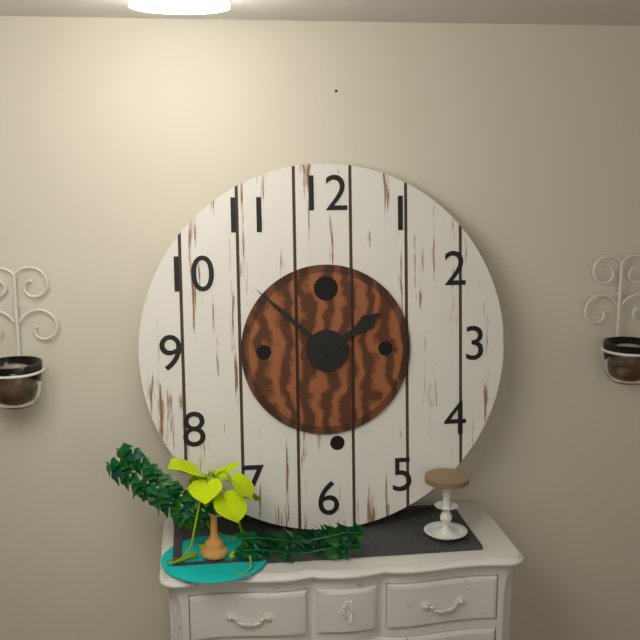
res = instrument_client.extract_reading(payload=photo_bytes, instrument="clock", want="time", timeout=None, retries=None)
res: 1:52
